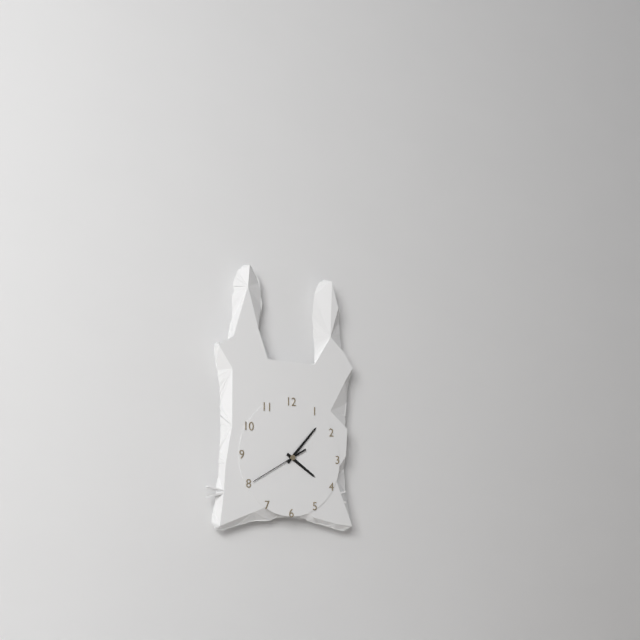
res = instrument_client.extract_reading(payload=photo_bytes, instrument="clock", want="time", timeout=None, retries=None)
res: 4:07:40
